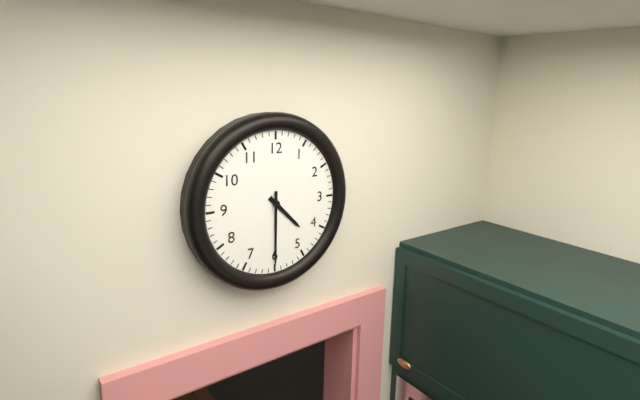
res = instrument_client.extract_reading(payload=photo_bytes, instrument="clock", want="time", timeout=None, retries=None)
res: 4:30
